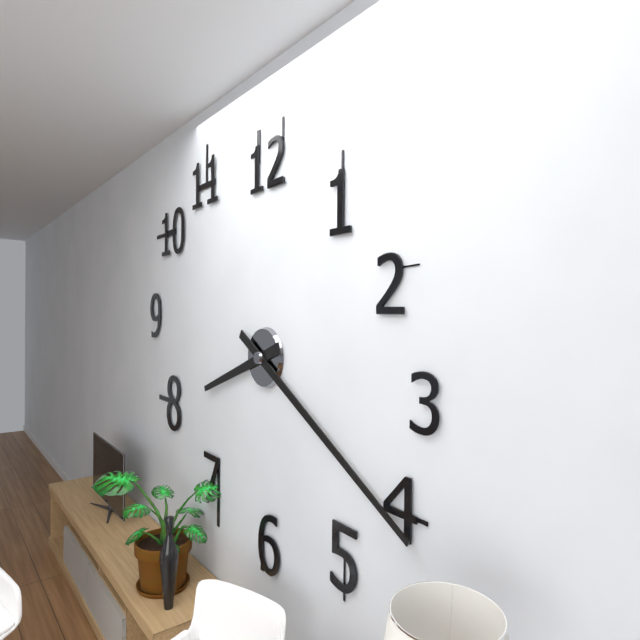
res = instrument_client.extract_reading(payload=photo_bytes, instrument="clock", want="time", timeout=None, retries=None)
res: 8:20
